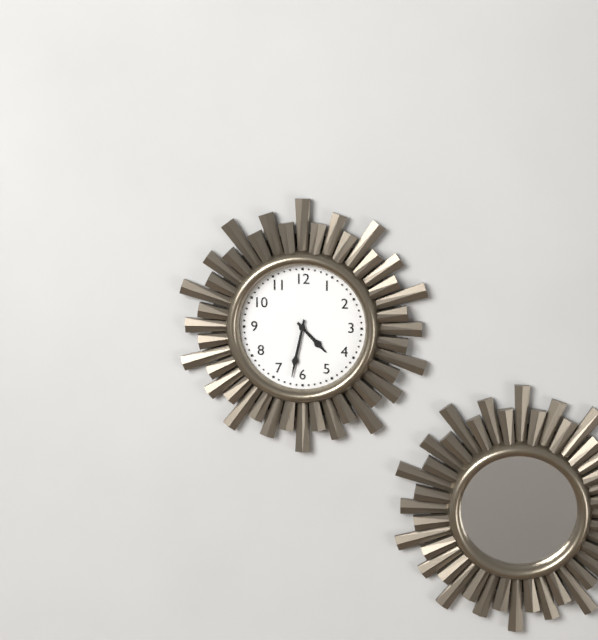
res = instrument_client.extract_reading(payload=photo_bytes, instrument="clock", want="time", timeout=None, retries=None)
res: 4:32
